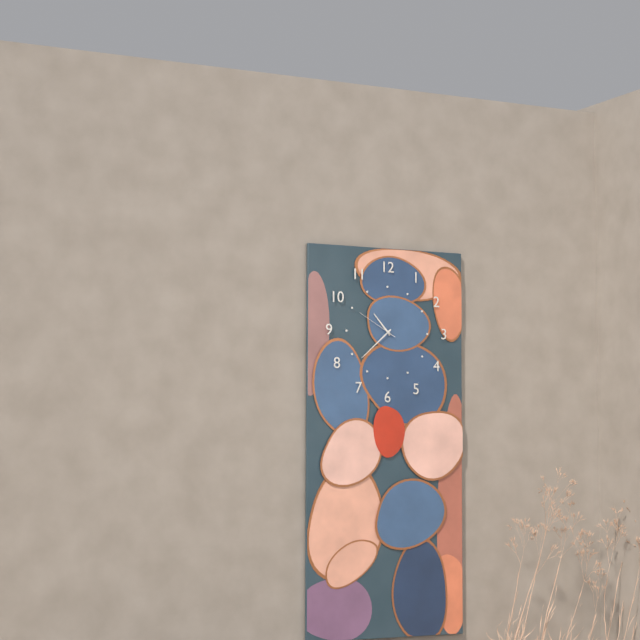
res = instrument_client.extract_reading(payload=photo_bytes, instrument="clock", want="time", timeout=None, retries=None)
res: 10:38
